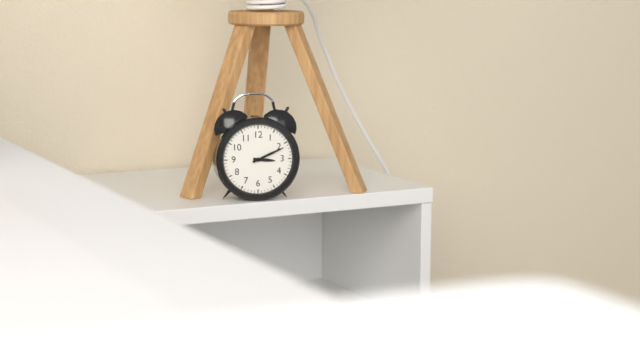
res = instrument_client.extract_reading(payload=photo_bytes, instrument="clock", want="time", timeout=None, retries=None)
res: 3:11
